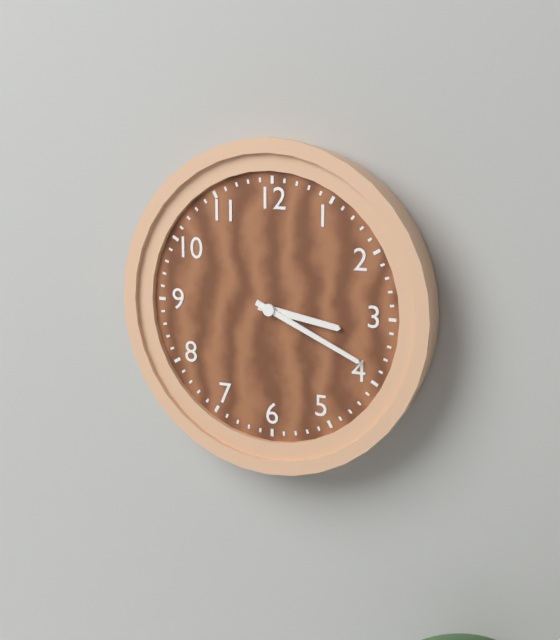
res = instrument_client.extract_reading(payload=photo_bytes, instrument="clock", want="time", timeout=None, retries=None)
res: 3:19
